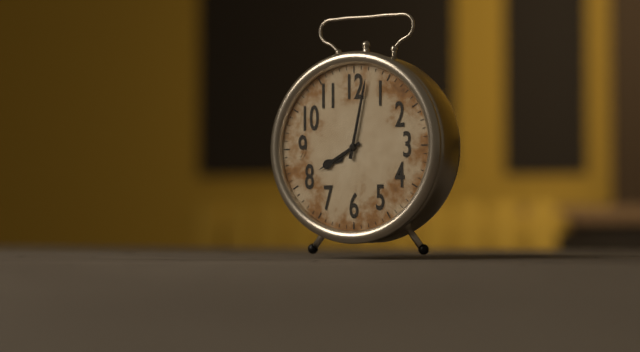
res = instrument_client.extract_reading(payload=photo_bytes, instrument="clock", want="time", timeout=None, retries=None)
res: 8:02
